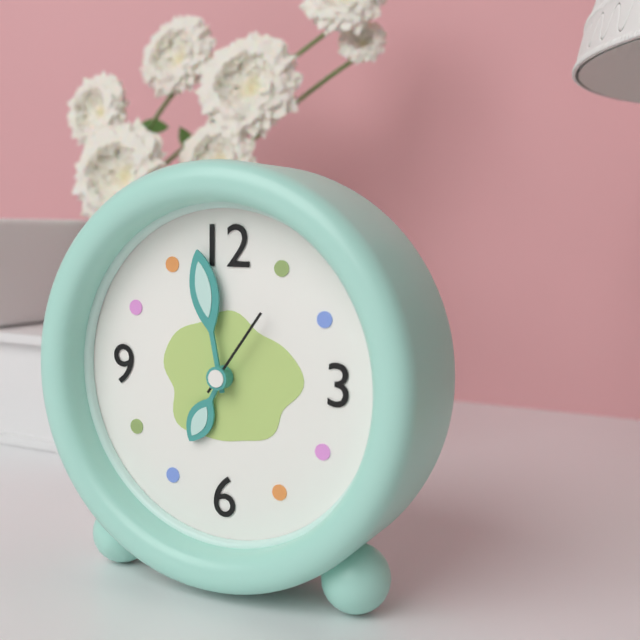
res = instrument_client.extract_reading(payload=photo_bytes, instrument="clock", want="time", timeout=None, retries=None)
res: 6:58:06
